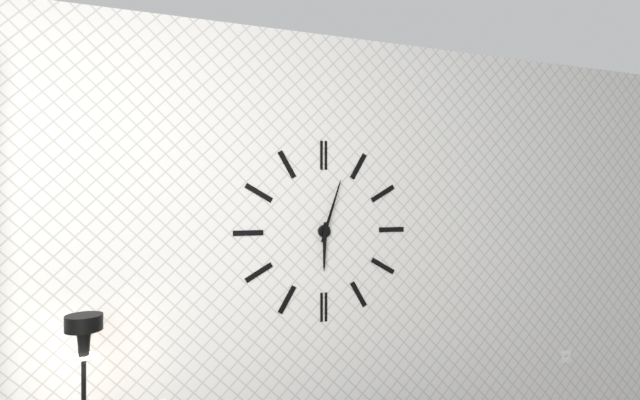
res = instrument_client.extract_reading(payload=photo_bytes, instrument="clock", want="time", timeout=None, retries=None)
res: 6:03
